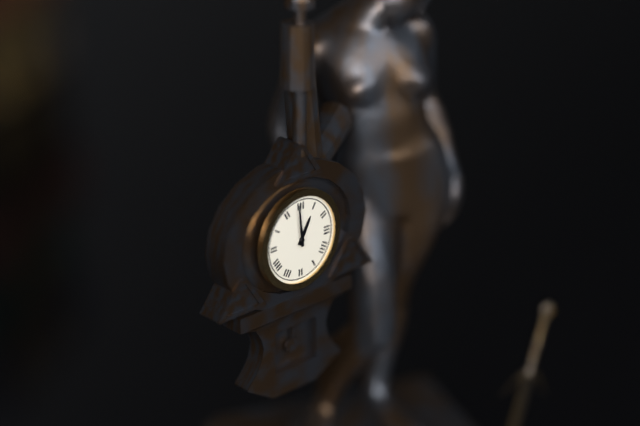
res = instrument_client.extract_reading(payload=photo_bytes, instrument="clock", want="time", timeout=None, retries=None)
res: 12:59
